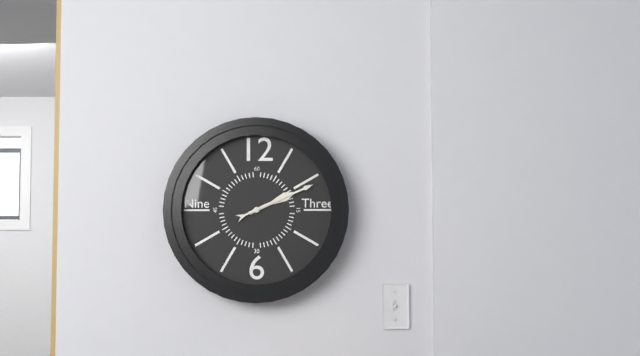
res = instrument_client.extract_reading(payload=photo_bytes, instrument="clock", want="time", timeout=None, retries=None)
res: 2:11
